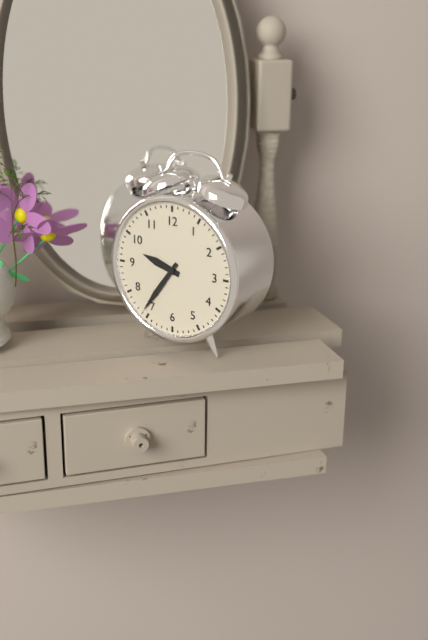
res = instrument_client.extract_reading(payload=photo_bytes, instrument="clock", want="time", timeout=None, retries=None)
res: 9:36
